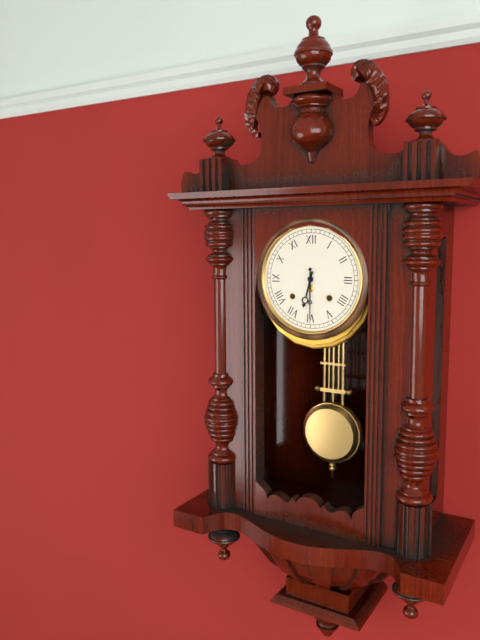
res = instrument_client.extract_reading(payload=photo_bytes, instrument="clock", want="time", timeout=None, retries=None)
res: 6:30
